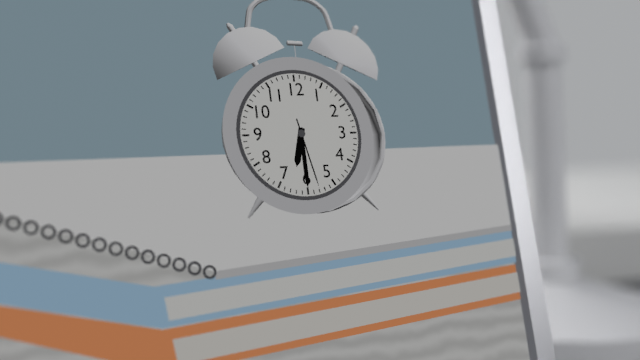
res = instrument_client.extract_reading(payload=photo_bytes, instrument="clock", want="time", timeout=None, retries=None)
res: 6:30:28
